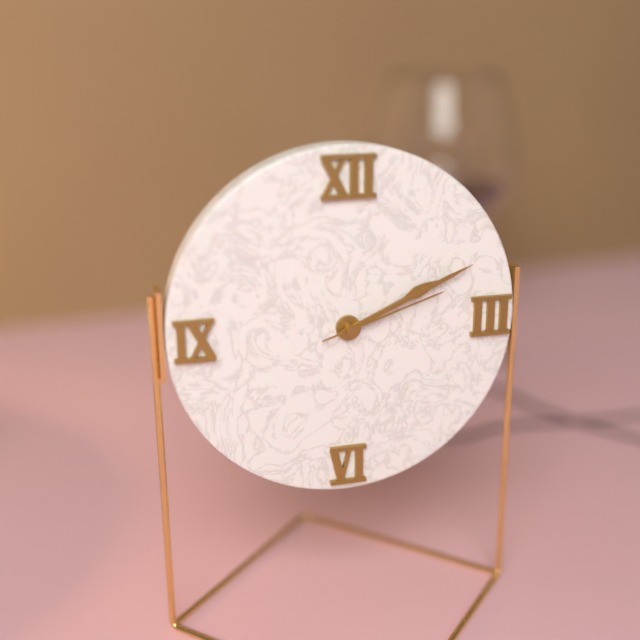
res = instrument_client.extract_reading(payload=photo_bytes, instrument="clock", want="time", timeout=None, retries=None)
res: 2:11:12
